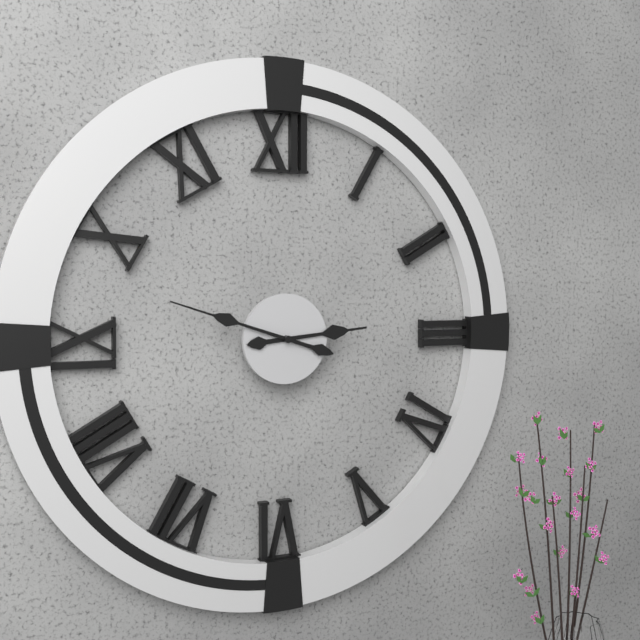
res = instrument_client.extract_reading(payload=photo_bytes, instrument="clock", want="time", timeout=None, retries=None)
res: 2:48
